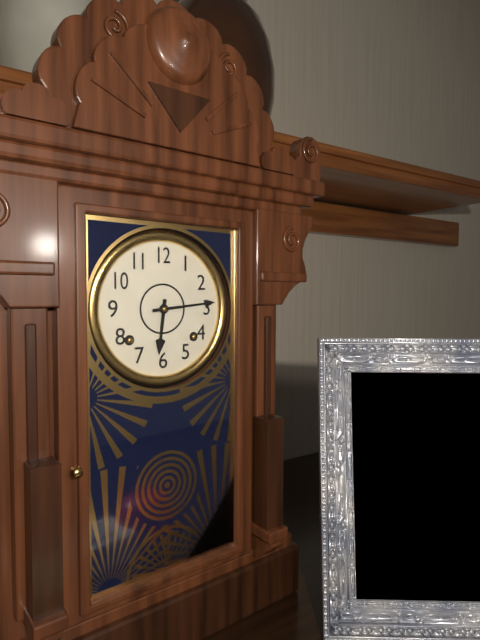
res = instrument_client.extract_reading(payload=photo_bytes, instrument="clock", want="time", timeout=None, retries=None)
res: 6:14
